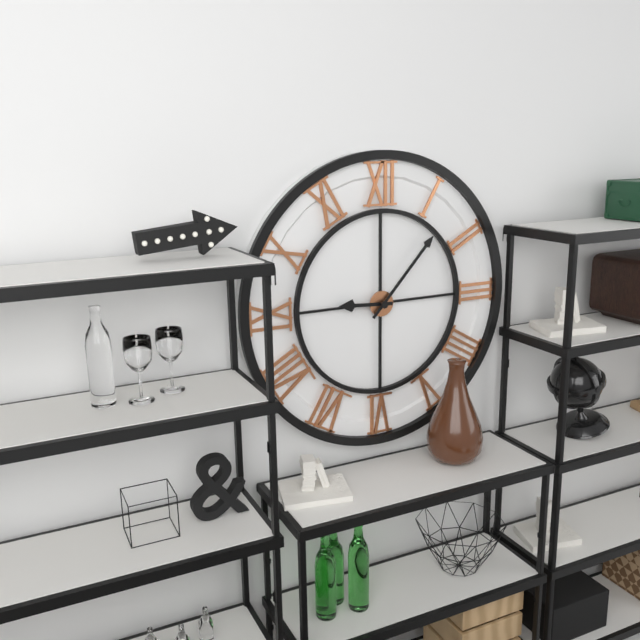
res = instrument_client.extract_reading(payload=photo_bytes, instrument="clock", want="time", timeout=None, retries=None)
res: 9:07
